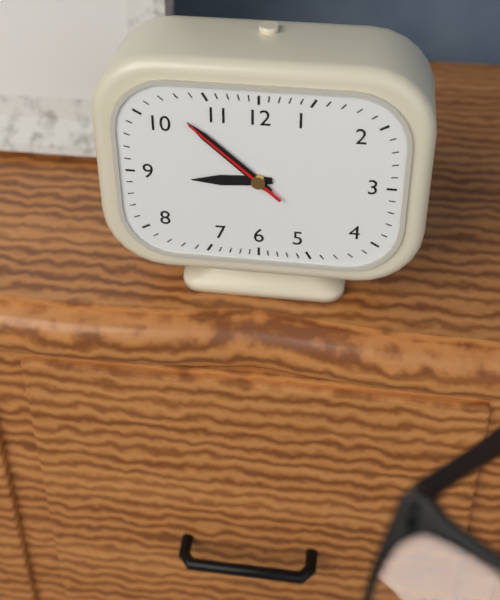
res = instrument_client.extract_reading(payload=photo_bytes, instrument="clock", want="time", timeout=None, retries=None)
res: 8:52:52
